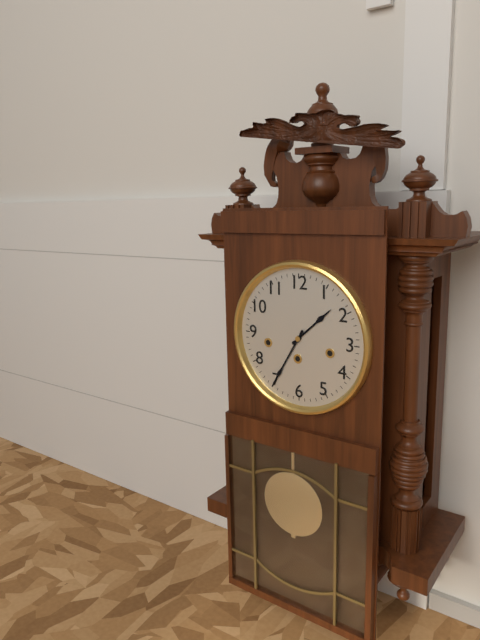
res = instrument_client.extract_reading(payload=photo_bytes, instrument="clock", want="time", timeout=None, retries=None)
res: 1:35
